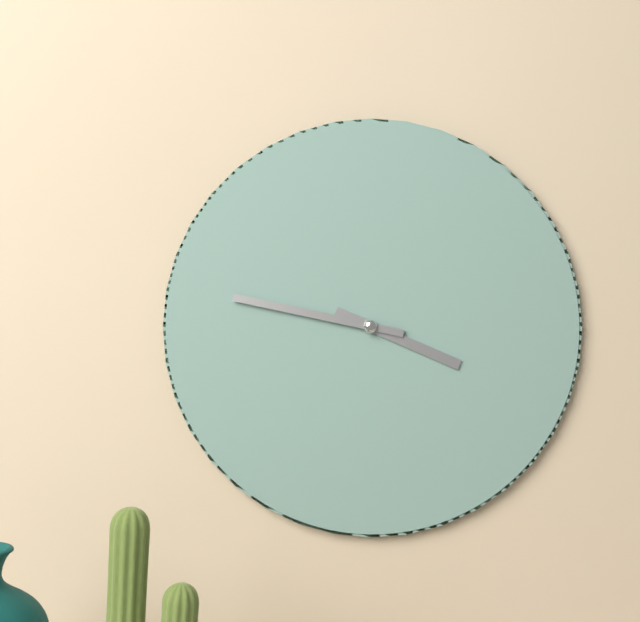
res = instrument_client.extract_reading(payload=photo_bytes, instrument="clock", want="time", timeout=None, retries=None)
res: 3:47
